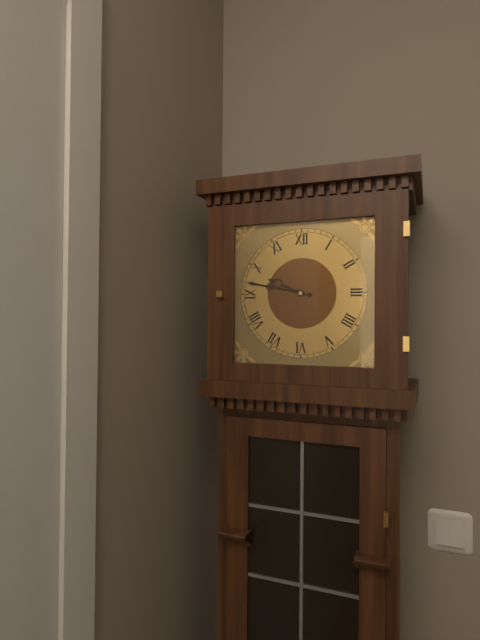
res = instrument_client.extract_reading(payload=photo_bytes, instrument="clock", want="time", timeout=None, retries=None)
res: 9:47
